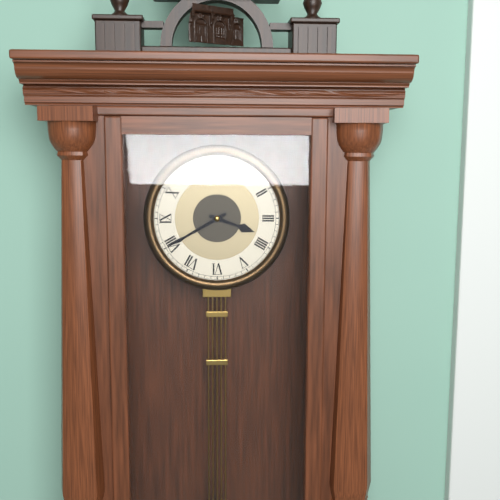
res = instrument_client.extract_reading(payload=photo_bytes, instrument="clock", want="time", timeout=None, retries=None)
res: 3:40
